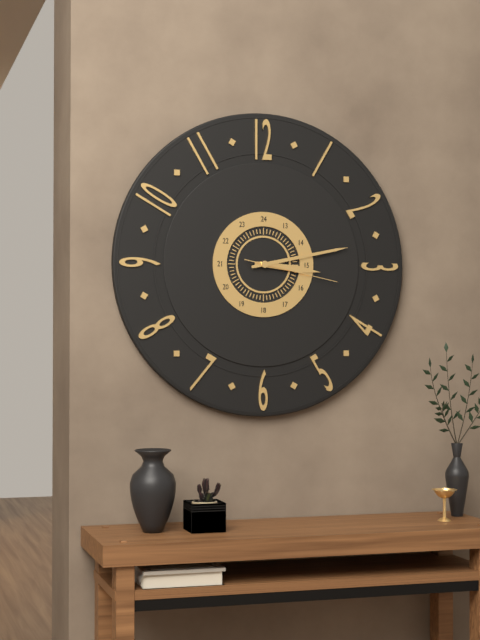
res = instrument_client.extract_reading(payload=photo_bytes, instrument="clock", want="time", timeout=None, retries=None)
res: 3:13:17
